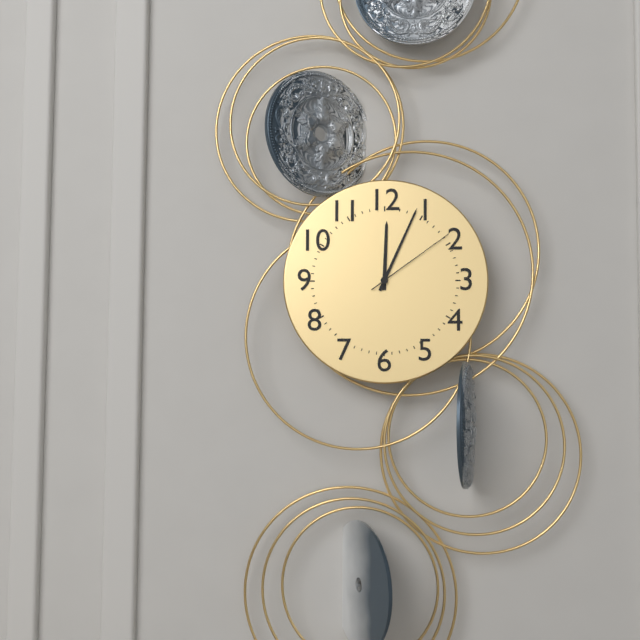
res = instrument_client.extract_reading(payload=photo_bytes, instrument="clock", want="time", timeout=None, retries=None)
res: 12:04:09
